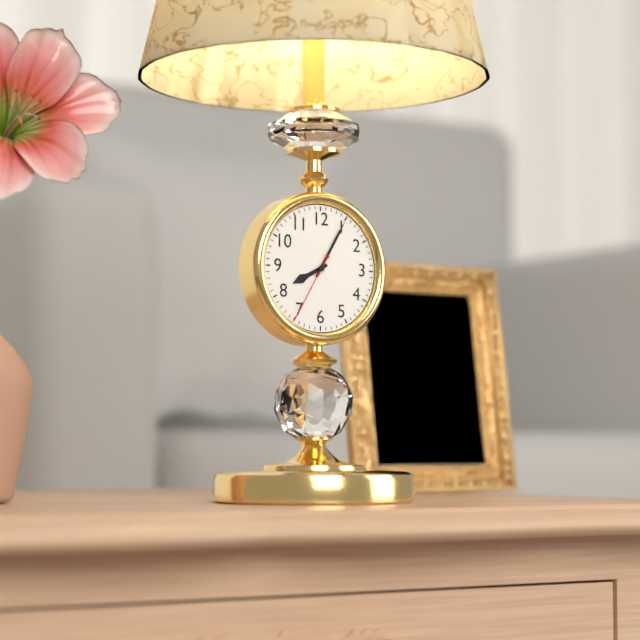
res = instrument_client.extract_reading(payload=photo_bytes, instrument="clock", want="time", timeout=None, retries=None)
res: 8:05:35
